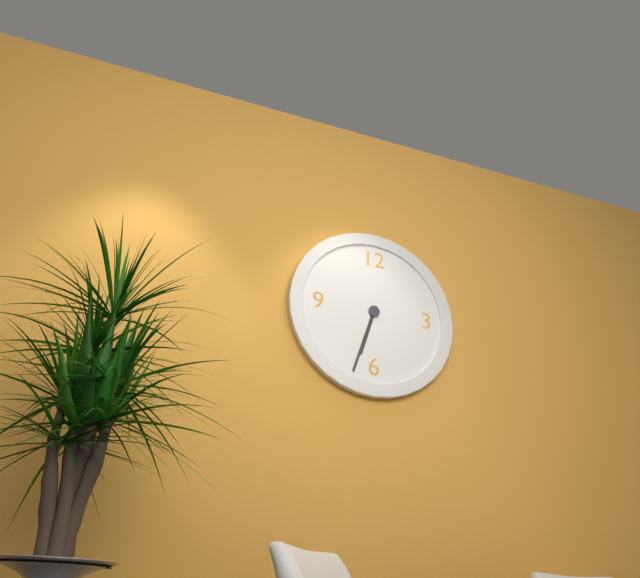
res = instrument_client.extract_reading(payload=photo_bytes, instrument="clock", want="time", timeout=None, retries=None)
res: 6:33
